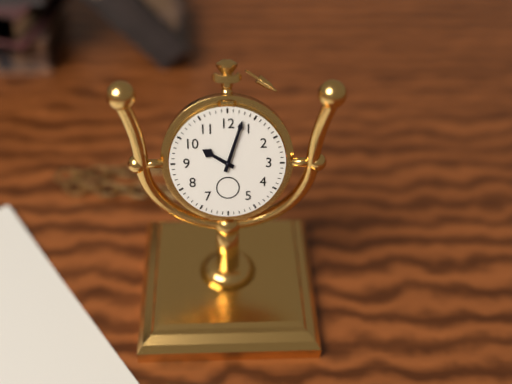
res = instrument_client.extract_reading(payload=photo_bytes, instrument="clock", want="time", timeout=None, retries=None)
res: 10:03
